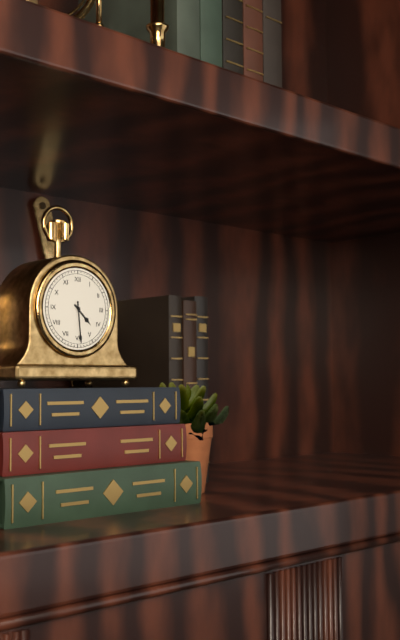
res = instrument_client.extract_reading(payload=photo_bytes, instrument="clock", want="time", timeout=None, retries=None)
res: 4:29
